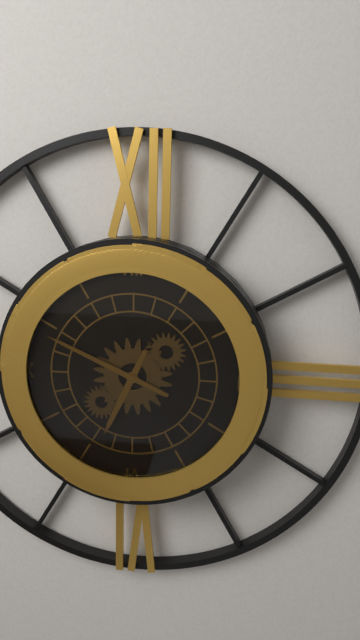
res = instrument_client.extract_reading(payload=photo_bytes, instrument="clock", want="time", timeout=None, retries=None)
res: 6:49
